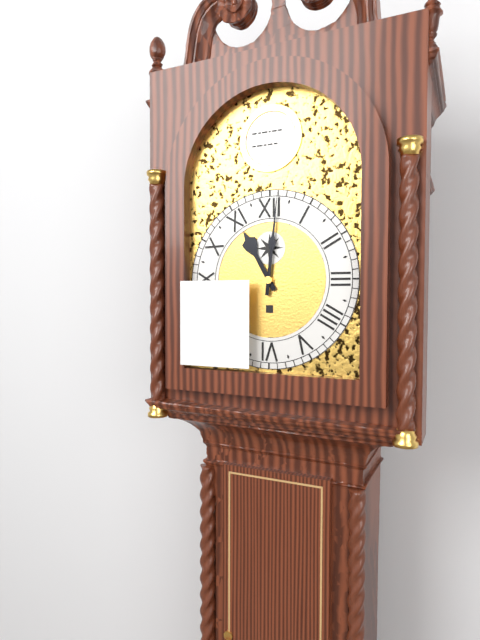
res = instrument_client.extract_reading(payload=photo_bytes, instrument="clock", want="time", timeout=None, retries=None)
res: 11:01
